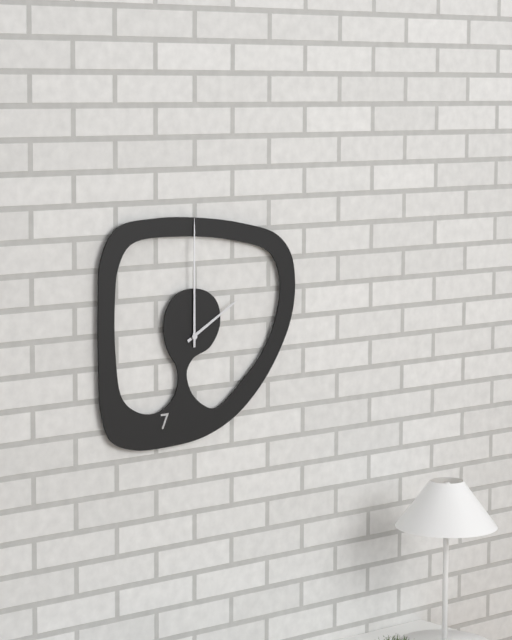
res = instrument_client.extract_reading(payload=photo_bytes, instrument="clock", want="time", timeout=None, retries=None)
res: 2:00
